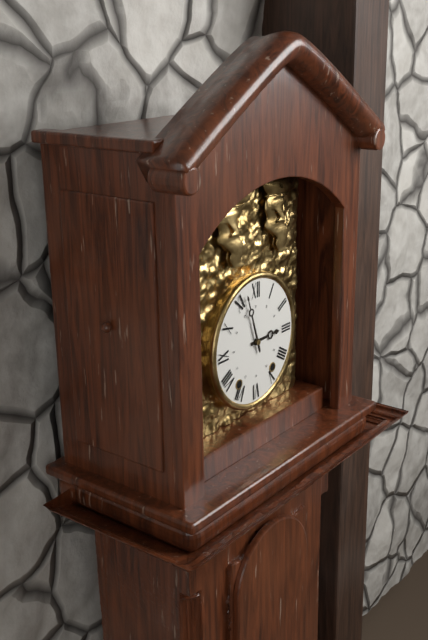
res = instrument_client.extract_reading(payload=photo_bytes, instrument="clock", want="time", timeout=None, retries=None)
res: 2:57
